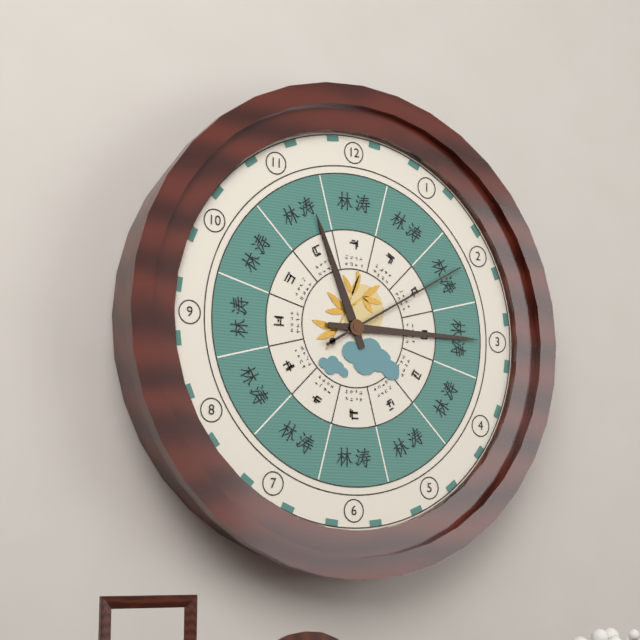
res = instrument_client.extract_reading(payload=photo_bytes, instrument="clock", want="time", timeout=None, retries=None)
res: 11:15:10
